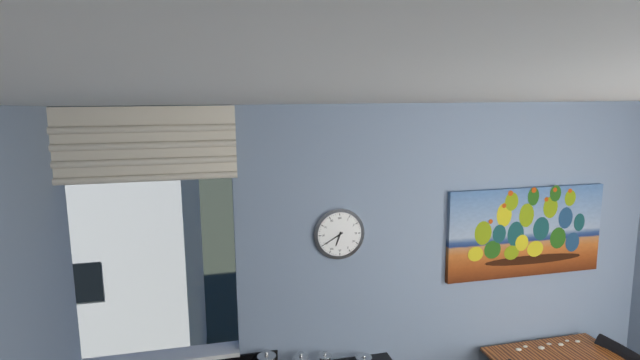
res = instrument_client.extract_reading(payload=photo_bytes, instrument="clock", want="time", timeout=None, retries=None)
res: 6:40
